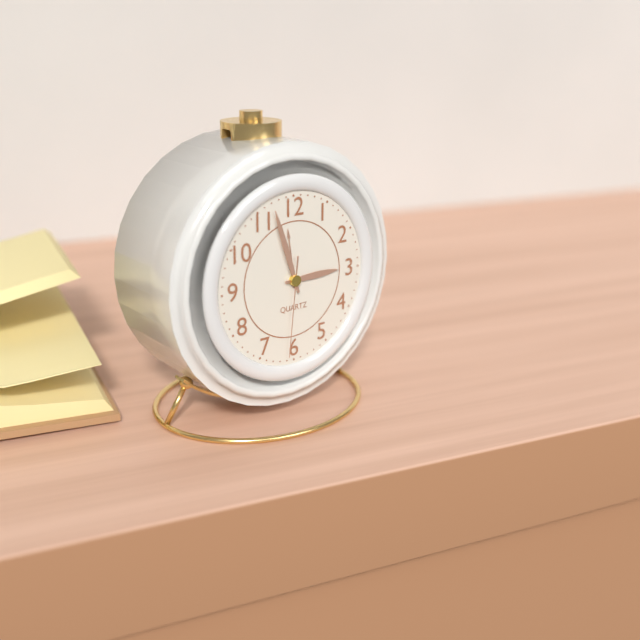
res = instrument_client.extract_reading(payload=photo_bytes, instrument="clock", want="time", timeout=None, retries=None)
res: 2:57:31
